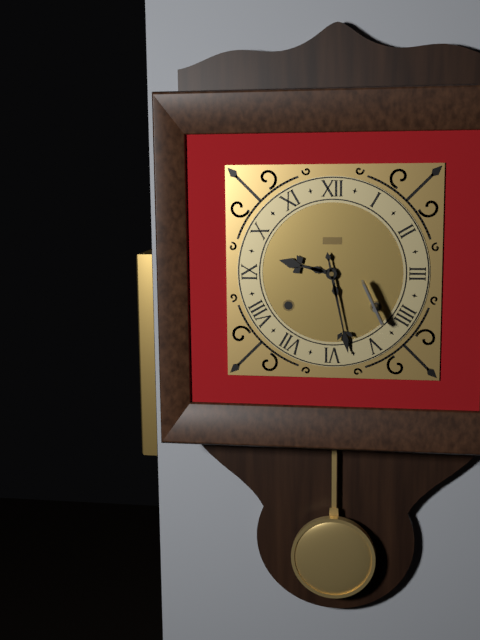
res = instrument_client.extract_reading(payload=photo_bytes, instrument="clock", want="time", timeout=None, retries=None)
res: 9:28
